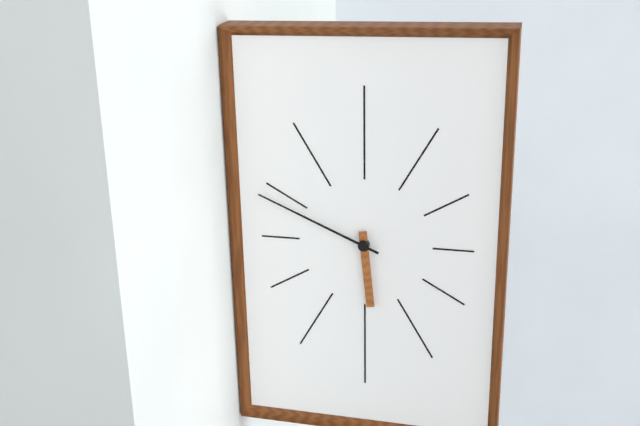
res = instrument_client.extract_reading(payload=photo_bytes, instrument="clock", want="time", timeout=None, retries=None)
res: 5:49
